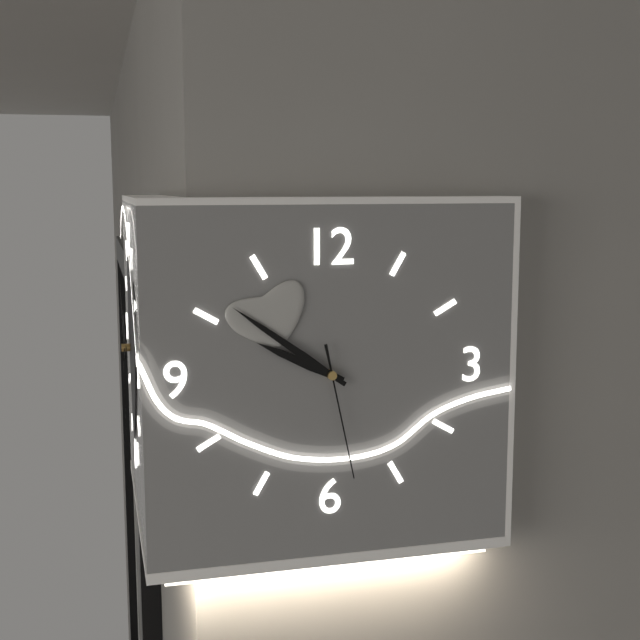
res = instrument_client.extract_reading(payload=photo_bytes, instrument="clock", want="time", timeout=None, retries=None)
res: 9:51:28
